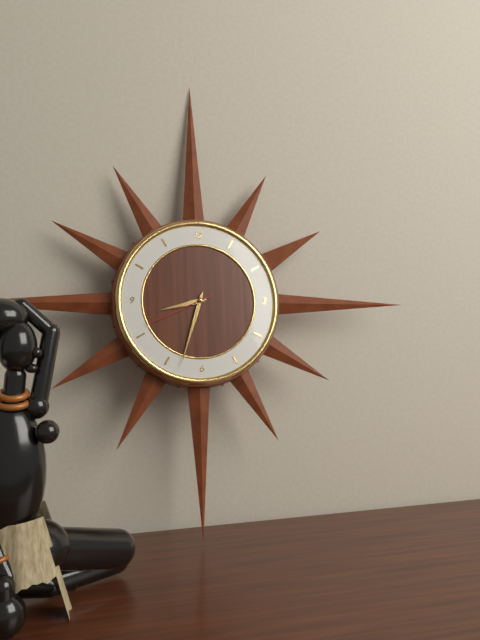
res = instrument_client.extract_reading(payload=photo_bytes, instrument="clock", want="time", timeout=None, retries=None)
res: 8:33:41
